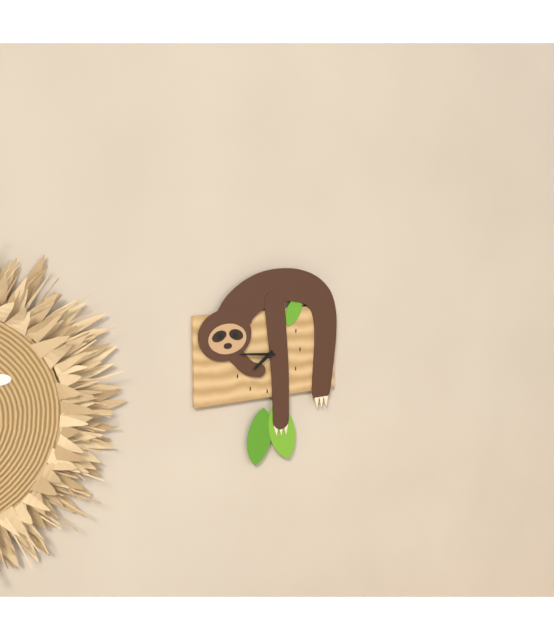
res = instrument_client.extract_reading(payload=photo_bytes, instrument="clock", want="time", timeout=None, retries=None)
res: 7:46
